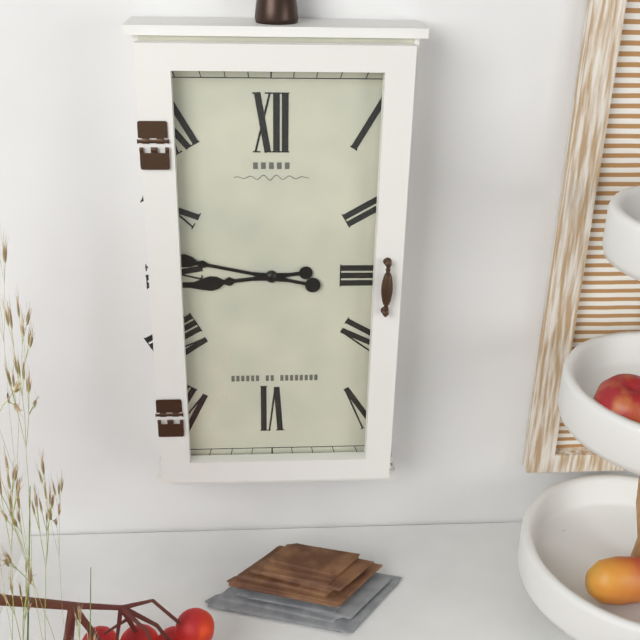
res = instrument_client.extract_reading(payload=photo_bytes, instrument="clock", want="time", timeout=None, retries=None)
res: 8:47
